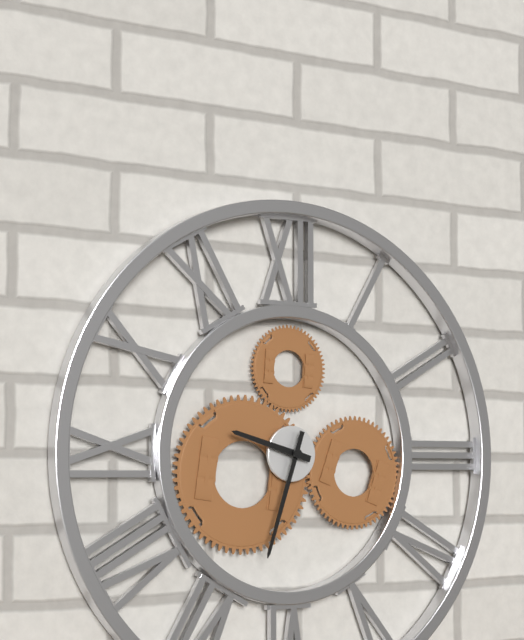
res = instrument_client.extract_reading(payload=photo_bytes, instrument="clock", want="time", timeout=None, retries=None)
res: 9:33
